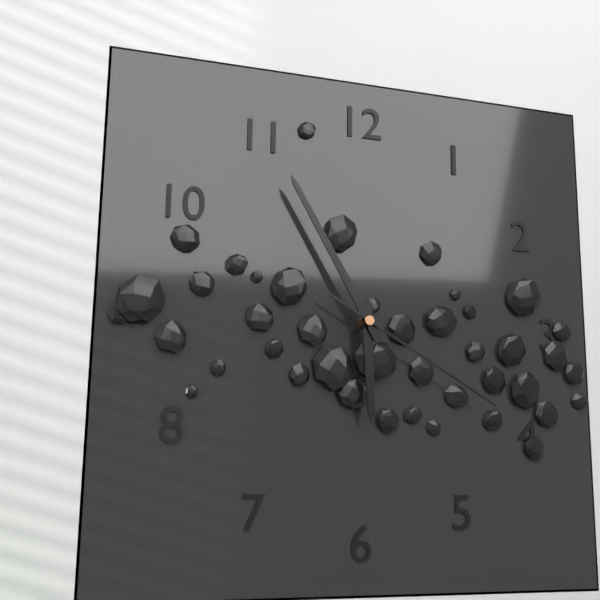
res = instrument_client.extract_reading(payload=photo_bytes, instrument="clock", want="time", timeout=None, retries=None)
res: 5:55:20
